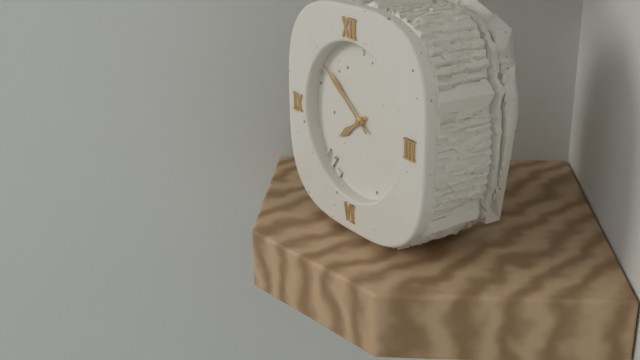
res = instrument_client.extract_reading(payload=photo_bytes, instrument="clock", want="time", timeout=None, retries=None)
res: 7:51
